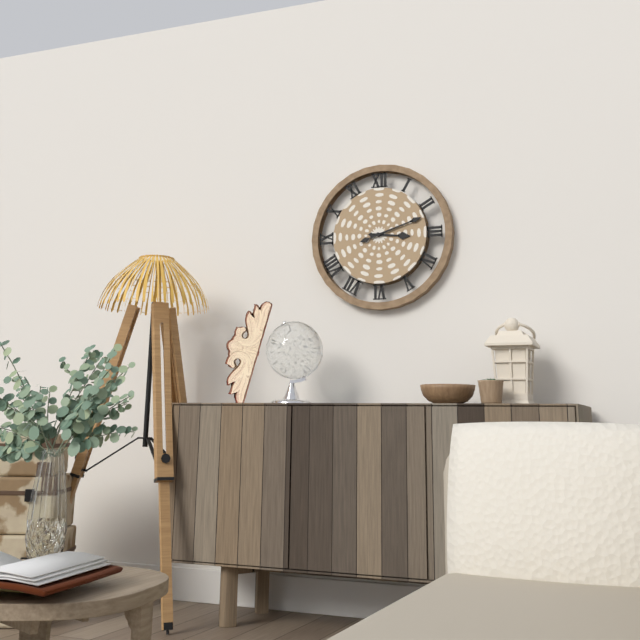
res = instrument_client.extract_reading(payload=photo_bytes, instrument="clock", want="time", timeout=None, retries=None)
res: 3:12
